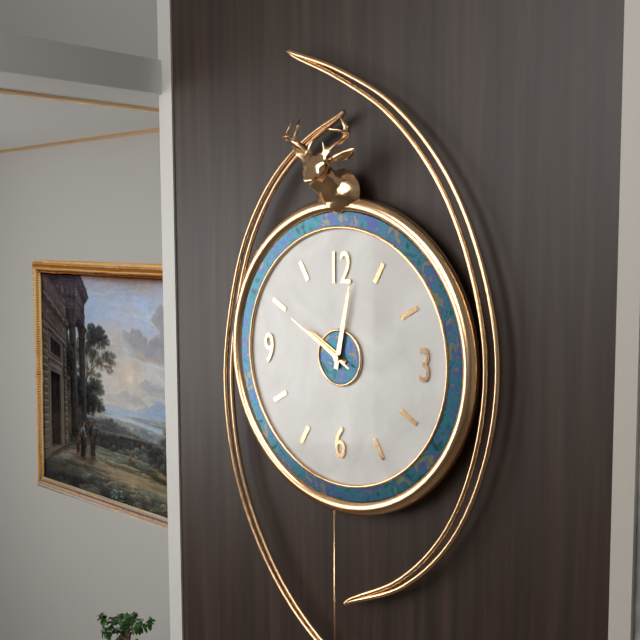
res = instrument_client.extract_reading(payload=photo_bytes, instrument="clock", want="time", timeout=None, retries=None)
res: 10:02:50
